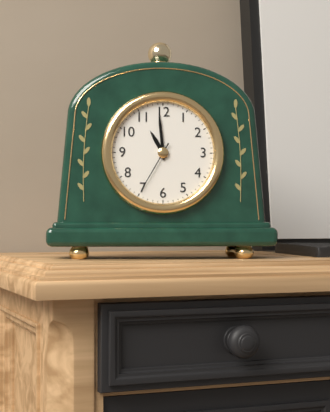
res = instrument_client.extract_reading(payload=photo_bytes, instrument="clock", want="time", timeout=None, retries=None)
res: 10:59
